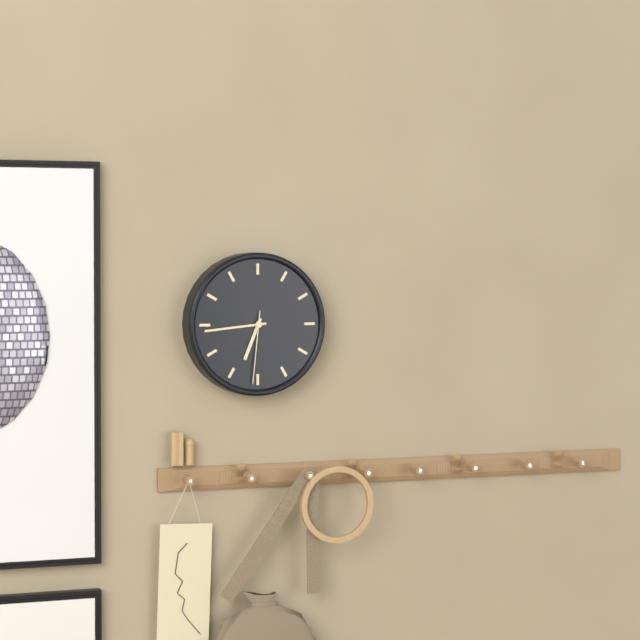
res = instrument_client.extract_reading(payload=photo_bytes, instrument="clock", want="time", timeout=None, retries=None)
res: 6:44:31
